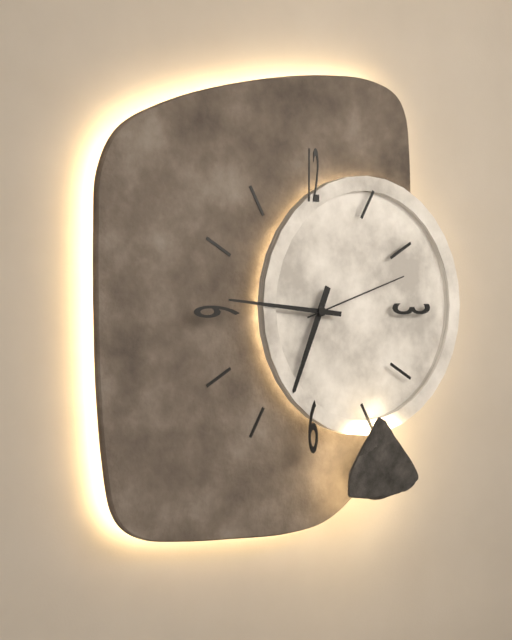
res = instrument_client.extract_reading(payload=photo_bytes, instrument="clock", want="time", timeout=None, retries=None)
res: 6:46:12
